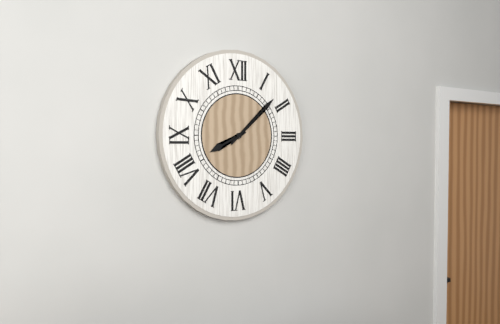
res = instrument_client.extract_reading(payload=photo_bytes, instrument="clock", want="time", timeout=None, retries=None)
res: 8:08
